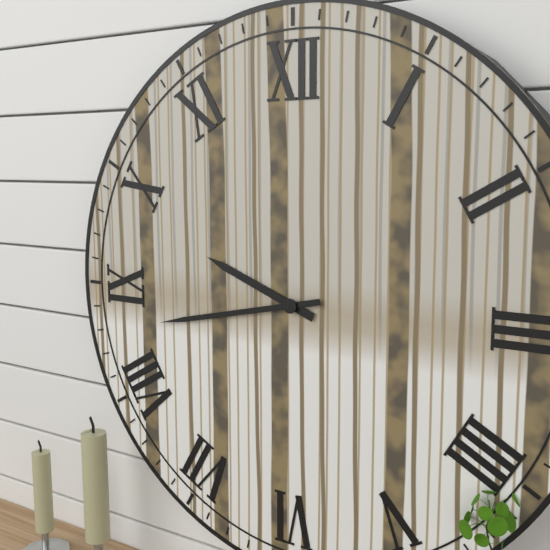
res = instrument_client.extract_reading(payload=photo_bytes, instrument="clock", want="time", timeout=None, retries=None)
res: 9:43
